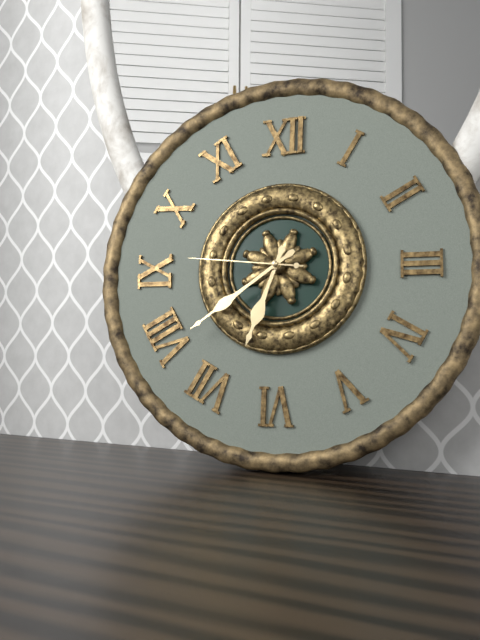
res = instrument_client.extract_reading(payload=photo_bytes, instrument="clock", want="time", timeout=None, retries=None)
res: 6:39:46
